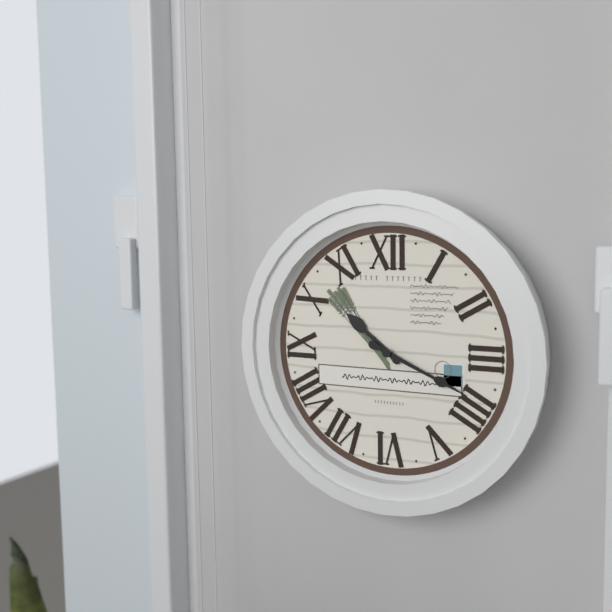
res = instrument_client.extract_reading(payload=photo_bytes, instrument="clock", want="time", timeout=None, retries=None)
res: 10:19
